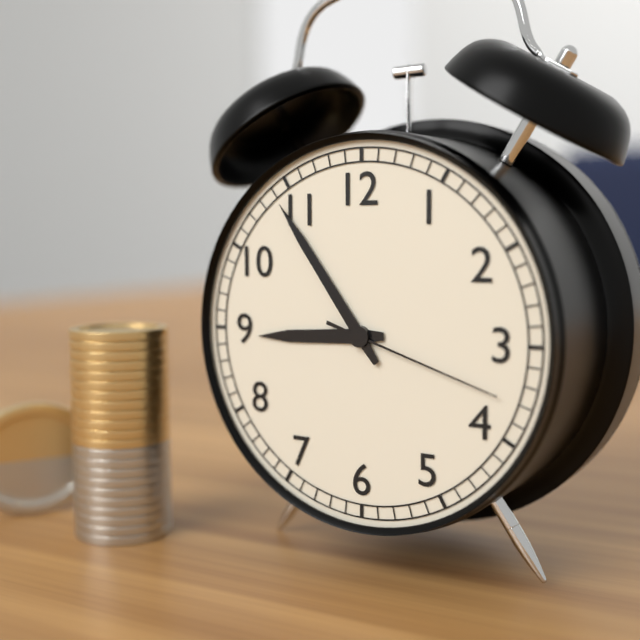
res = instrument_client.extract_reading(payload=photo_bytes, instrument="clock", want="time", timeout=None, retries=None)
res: 8:54:18
